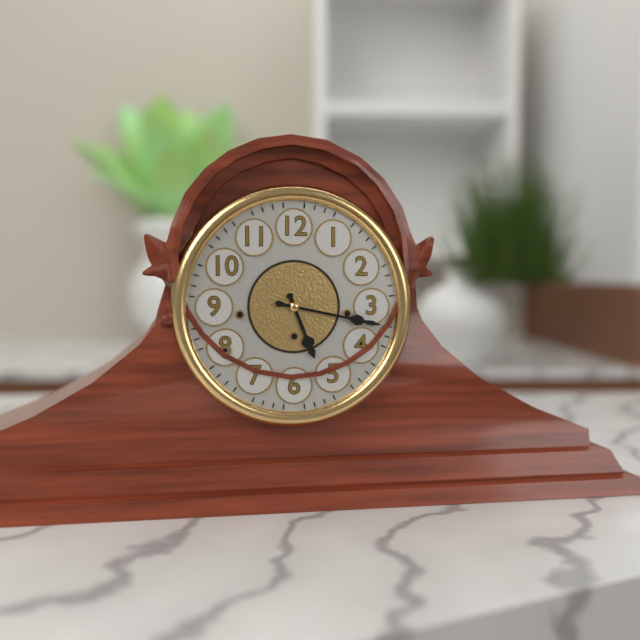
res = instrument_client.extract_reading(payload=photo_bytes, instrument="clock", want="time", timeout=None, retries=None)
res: 5:17
